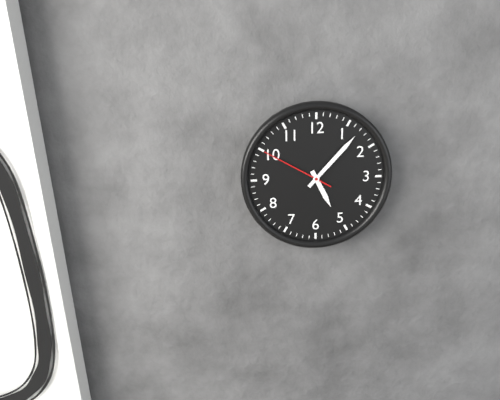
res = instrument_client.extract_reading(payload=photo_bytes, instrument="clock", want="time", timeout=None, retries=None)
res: 5:07:50
